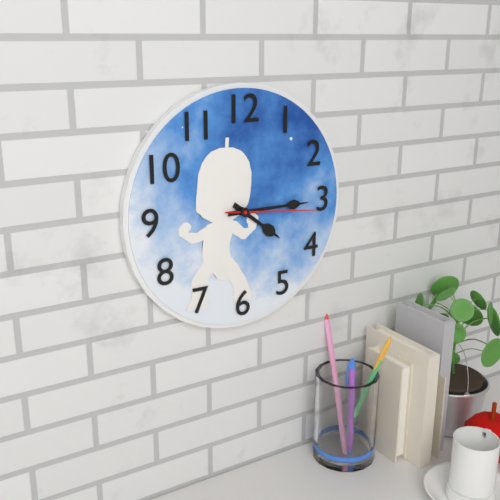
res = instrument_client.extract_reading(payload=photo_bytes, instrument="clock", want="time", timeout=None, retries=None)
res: 4:15:16
